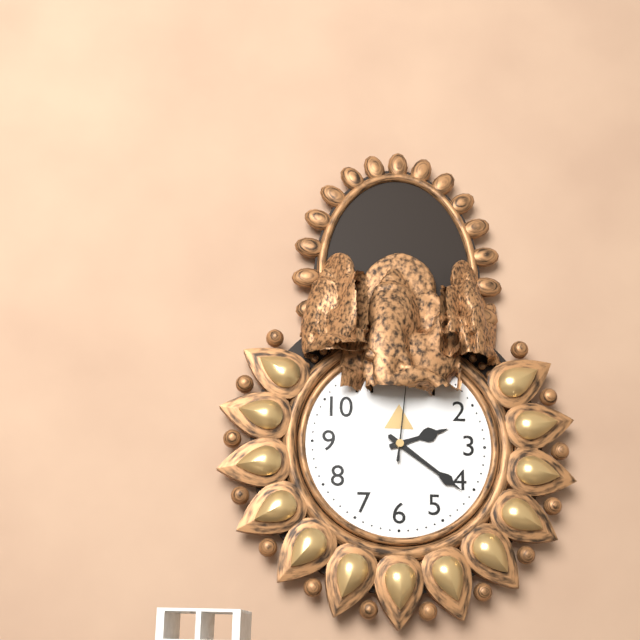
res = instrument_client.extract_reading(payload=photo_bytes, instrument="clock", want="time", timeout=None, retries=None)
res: 2:21:01
